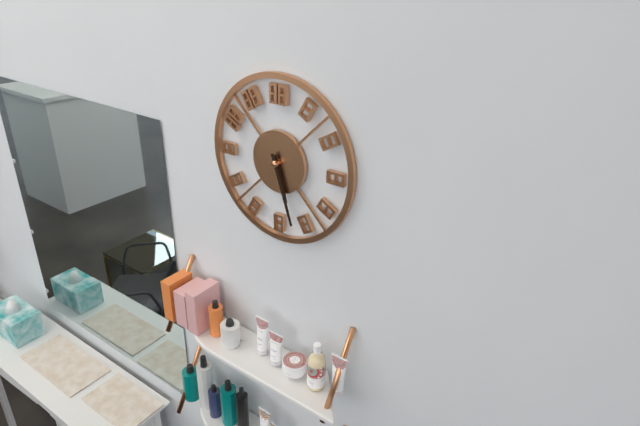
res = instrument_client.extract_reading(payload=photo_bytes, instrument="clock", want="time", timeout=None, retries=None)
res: 5:27
